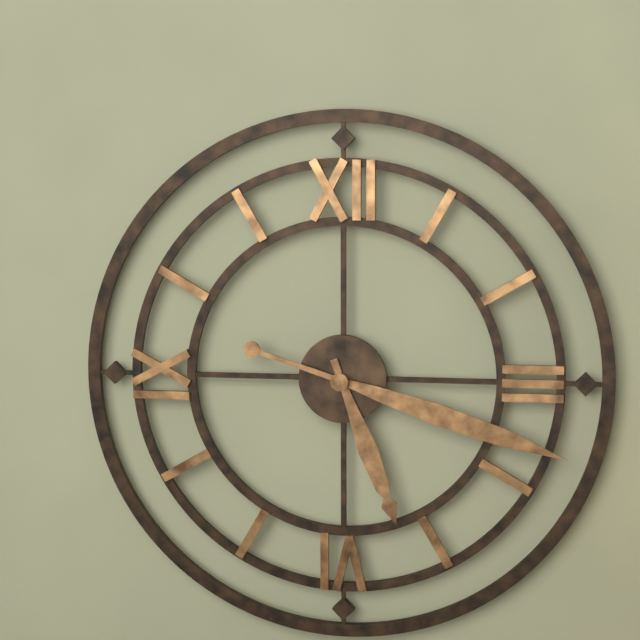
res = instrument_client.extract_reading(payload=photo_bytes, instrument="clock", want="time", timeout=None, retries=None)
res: 5:18
